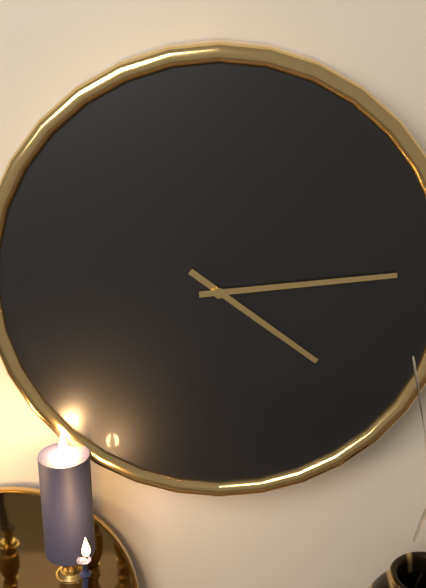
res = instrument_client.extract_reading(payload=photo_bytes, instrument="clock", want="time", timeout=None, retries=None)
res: 4:14
